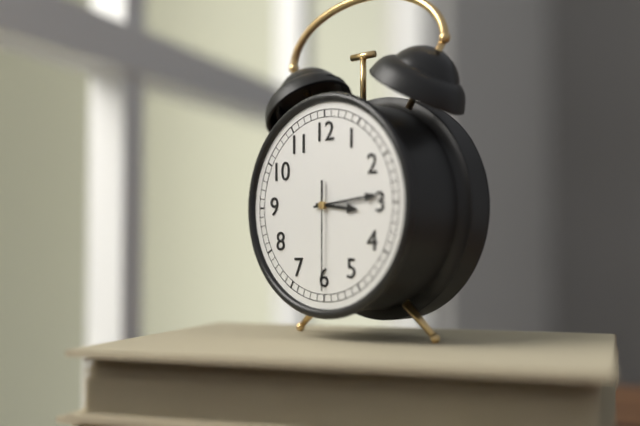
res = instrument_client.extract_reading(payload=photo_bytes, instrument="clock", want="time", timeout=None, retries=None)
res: 3:14:30
